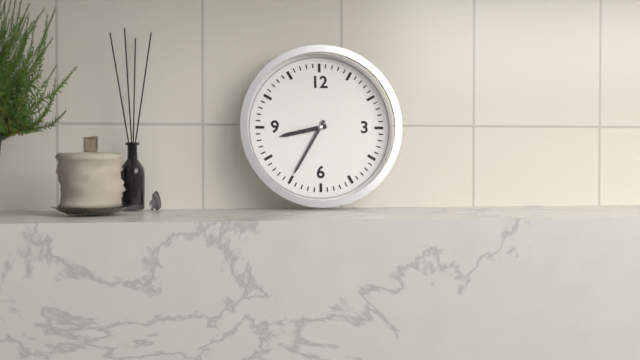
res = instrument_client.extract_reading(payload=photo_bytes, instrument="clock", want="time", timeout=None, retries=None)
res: 8:35
